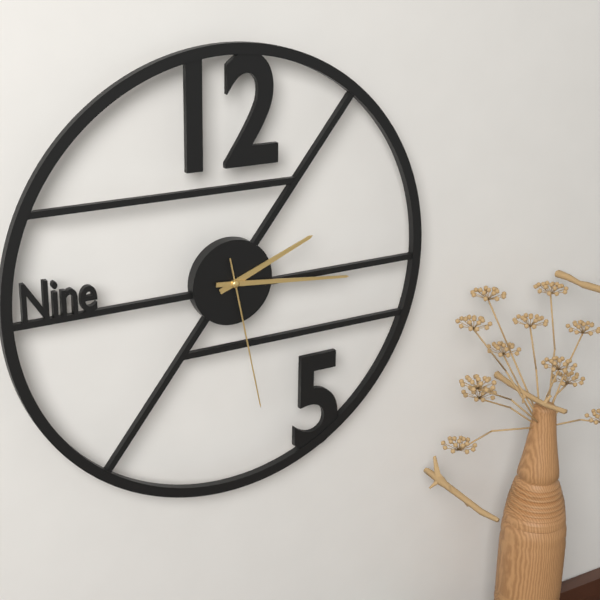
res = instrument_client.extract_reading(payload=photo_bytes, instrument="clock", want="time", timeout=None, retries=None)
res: 2:16:28
